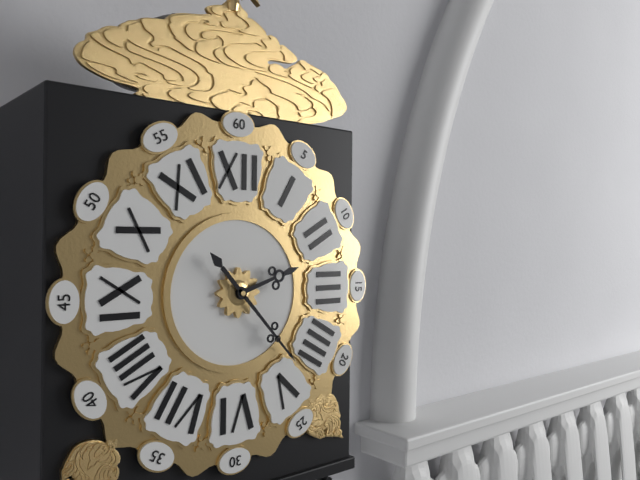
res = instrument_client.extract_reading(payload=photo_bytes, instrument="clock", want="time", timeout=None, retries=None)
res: 2:23
